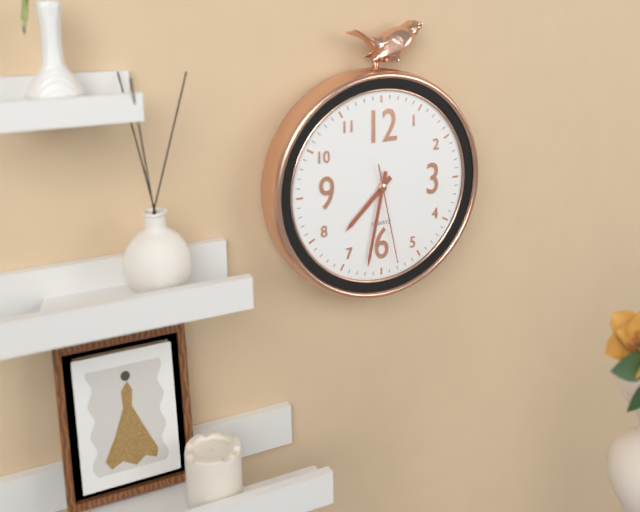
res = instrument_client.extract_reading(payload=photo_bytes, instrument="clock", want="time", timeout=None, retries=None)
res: 7:32:28
